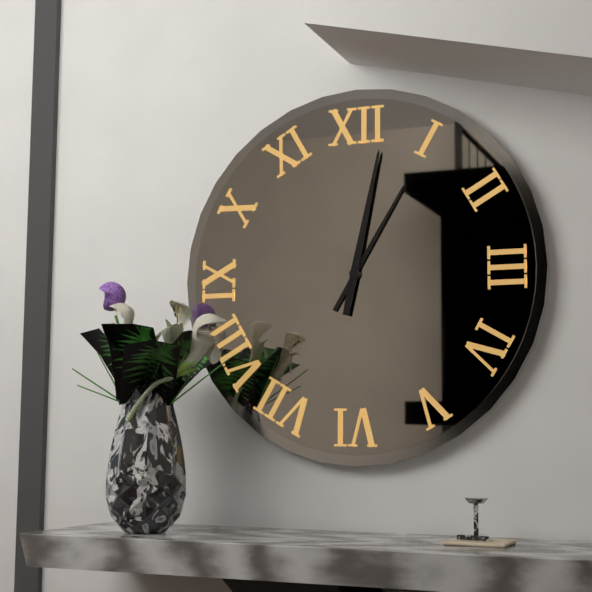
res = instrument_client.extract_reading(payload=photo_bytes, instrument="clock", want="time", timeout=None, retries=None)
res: 1:02
